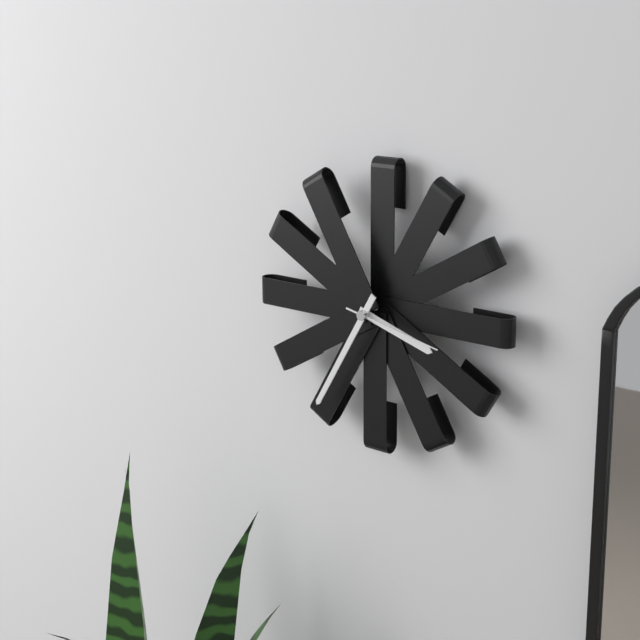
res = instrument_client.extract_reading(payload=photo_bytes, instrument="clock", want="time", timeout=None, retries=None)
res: 3:35:17
